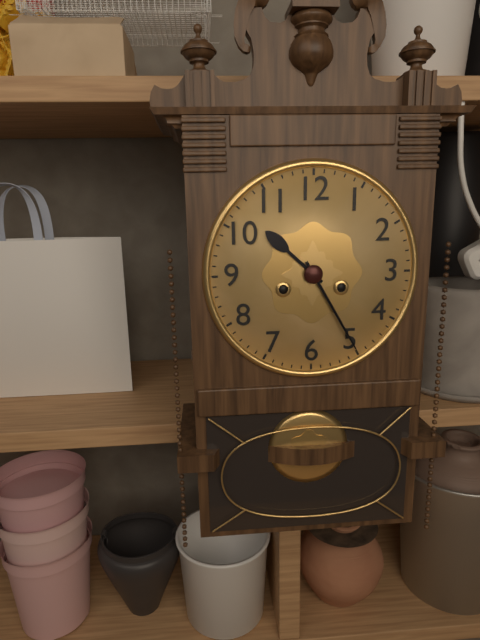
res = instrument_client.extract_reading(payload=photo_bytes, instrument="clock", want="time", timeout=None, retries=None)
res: 10:25
